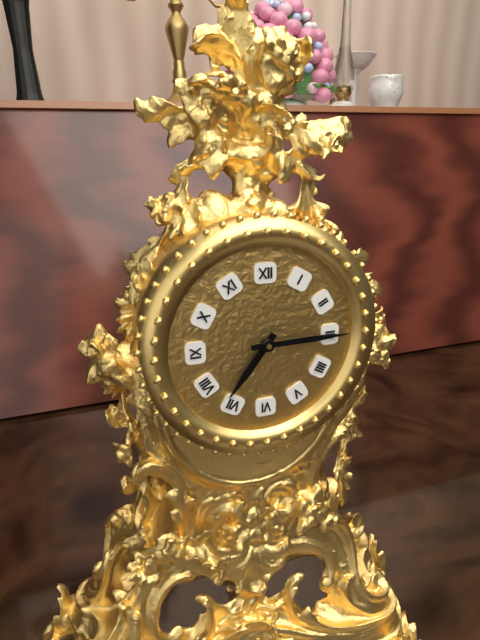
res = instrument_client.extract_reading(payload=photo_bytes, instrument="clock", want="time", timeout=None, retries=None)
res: 7:15
